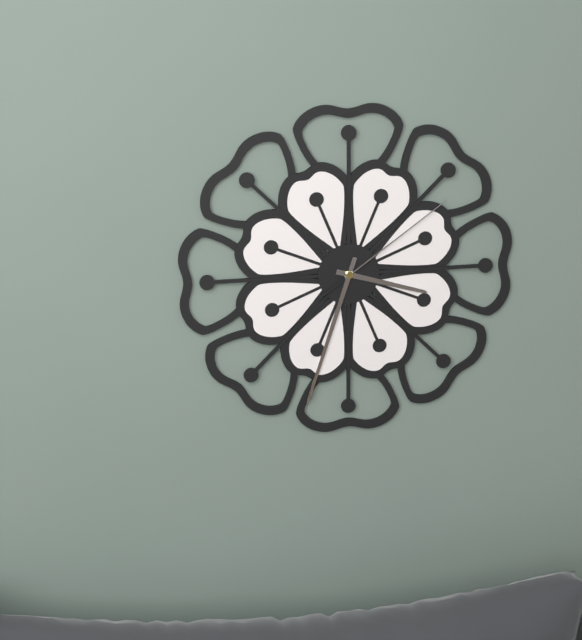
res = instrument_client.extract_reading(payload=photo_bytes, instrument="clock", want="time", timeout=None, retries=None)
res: 3:33:09
